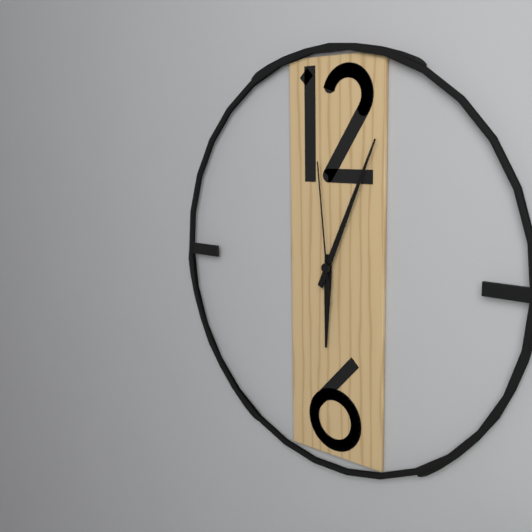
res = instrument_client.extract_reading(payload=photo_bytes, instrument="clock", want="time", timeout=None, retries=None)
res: 6:04:59
